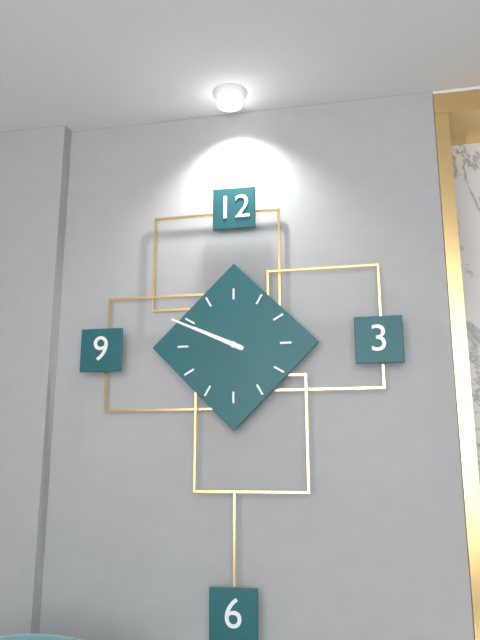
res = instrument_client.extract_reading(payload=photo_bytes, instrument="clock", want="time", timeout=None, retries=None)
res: 9:49
